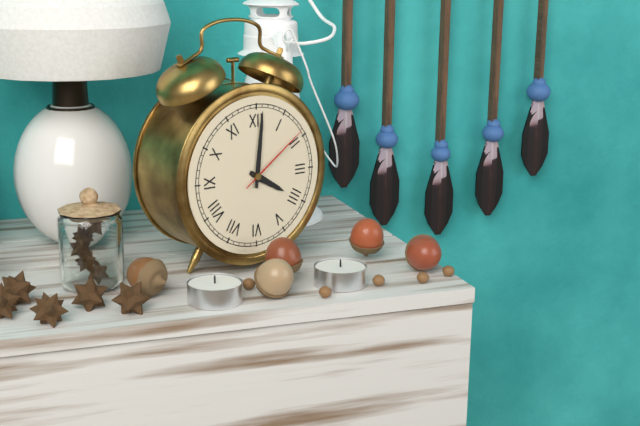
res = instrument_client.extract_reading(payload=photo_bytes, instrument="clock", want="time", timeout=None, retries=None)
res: 4:01:09
